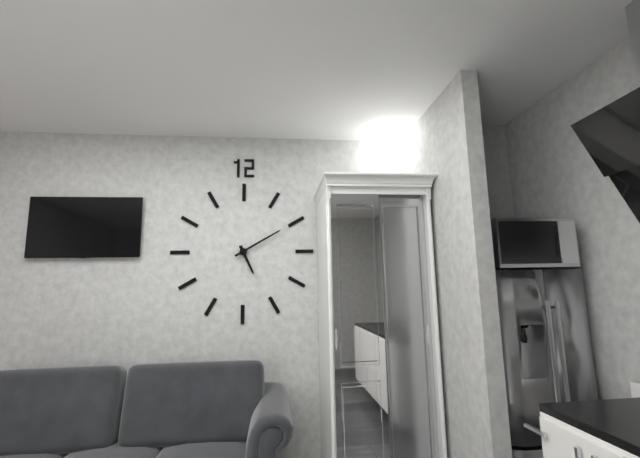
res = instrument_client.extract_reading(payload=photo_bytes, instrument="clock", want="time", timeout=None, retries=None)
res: 5:10
